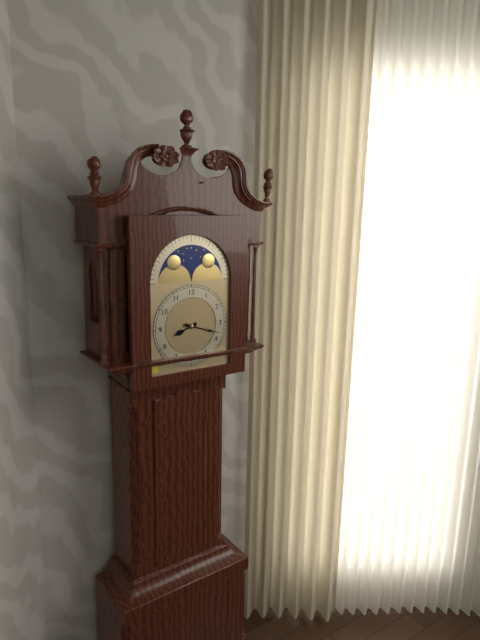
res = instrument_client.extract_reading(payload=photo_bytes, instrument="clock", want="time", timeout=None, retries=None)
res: 8:18
